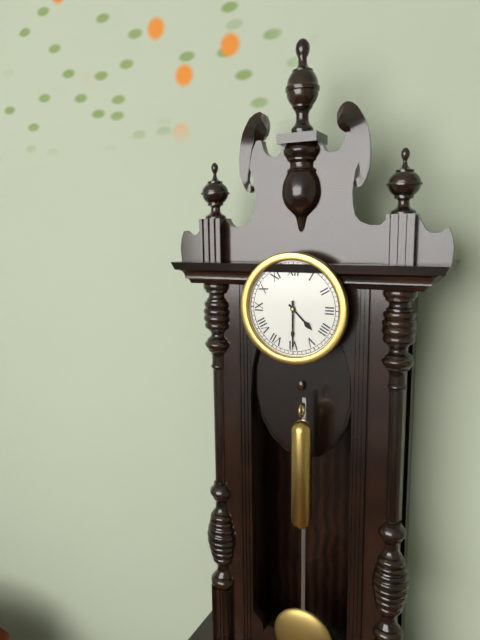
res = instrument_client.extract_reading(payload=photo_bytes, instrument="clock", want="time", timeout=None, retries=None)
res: 4:30
